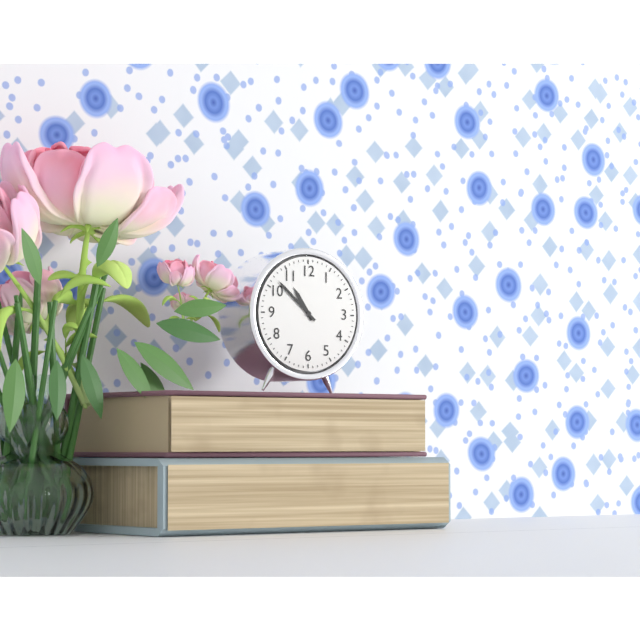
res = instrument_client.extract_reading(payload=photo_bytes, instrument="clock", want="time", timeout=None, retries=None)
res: 10:52
